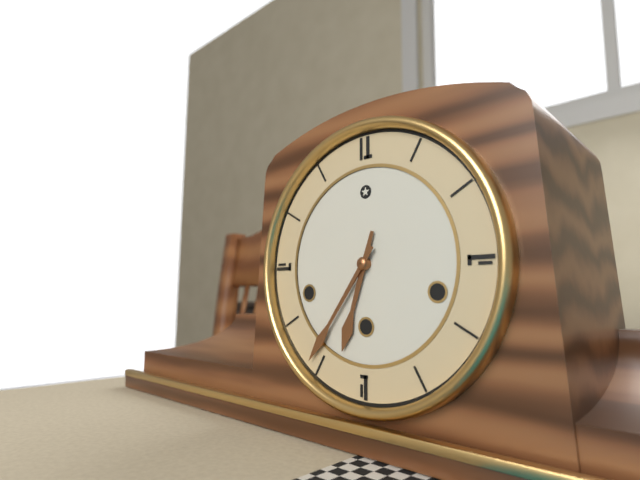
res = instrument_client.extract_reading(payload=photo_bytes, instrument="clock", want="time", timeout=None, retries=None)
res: 6:36
